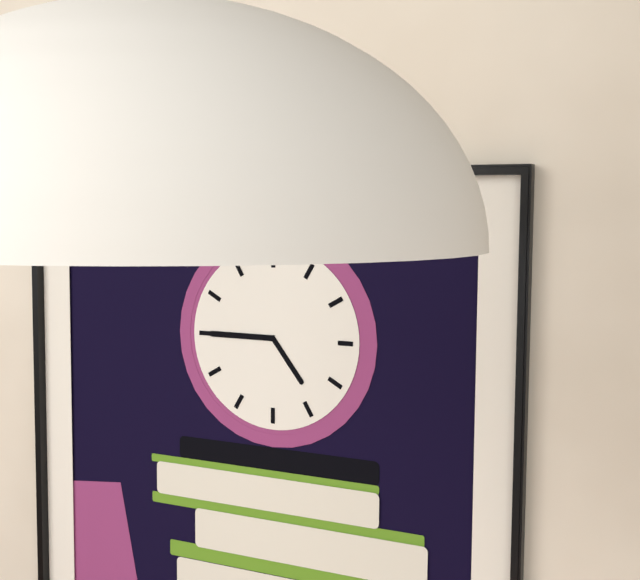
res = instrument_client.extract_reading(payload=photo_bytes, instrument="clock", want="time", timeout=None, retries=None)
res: 4:45
